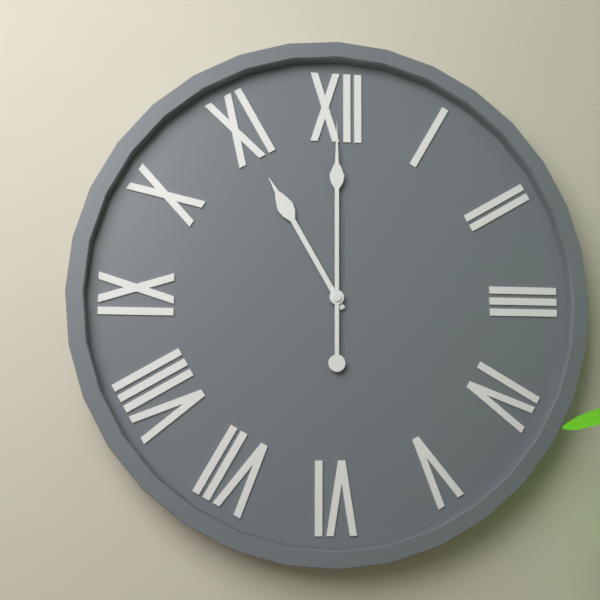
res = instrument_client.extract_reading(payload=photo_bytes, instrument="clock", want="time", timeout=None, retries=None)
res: 11:00
